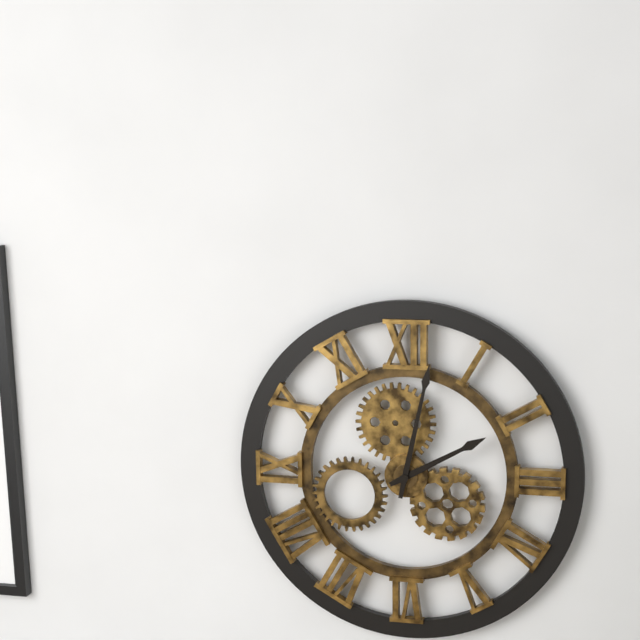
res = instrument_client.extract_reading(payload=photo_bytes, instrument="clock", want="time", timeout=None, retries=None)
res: 2:02
